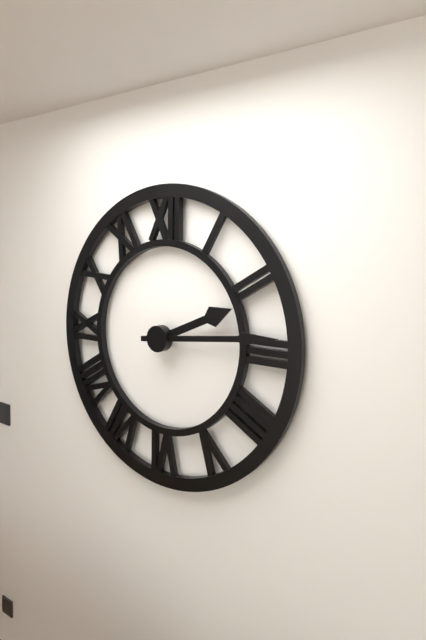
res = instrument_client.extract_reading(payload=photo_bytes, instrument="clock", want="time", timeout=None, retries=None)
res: 2:14
